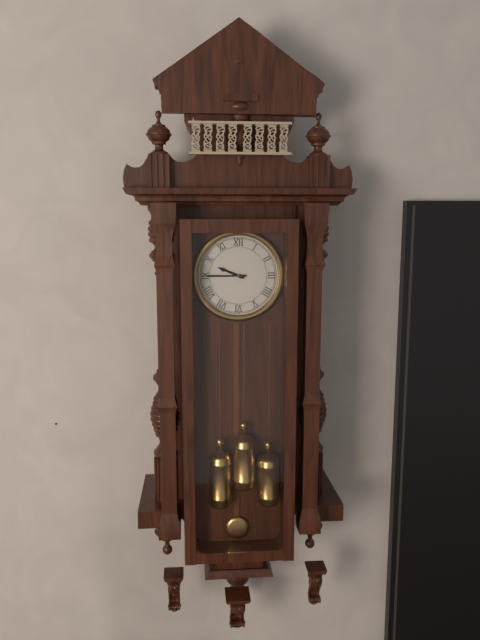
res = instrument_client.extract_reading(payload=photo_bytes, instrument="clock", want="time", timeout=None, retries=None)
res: 9:45
